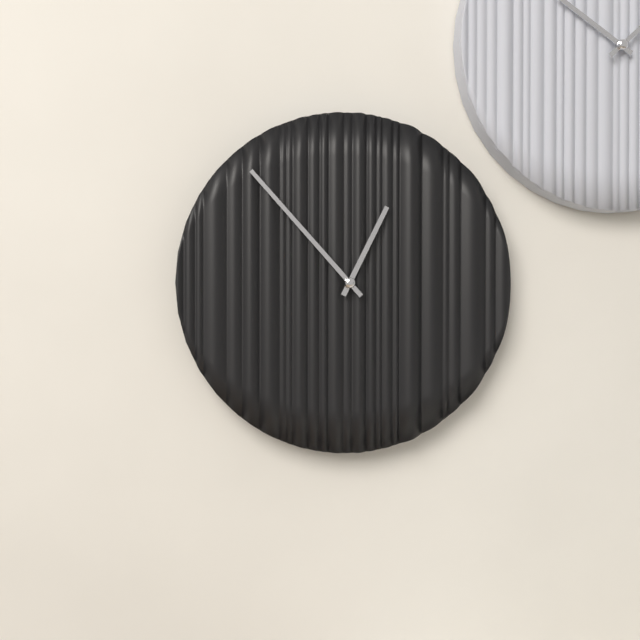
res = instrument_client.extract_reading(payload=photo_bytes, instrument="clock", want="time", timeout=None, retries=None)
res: 12:53
